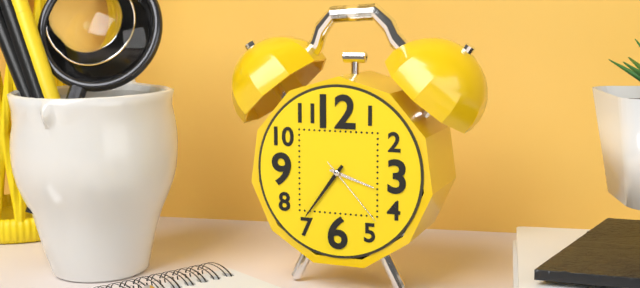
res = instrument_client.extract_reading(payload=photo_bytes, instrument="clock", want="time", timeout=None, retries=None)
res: 3:36:23
